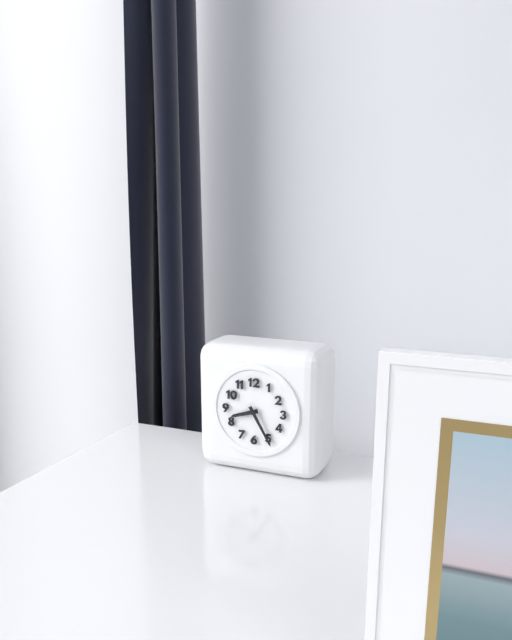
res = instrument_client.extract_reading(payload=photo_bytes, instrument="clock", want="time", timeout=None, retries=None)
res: 8:25
